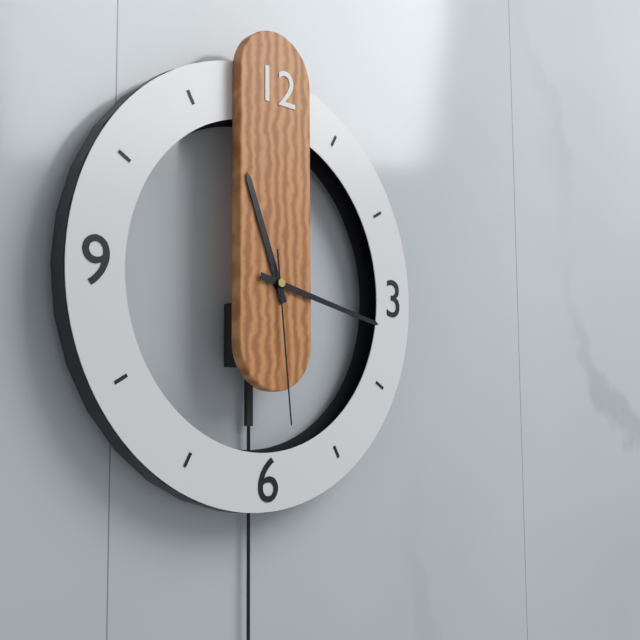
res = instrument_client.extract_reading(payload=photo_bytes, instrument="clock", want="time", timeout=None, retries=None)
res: 11:17:29
